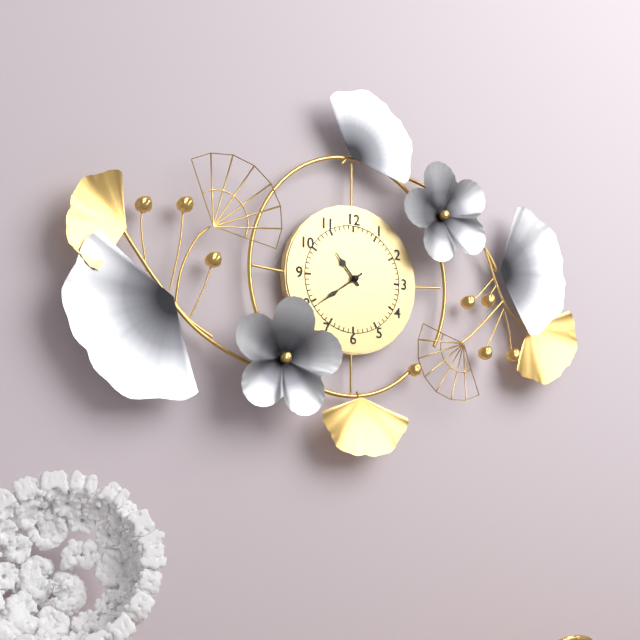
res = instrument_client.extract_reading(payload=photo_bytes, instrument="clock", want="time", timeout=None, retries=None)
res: 10:39
